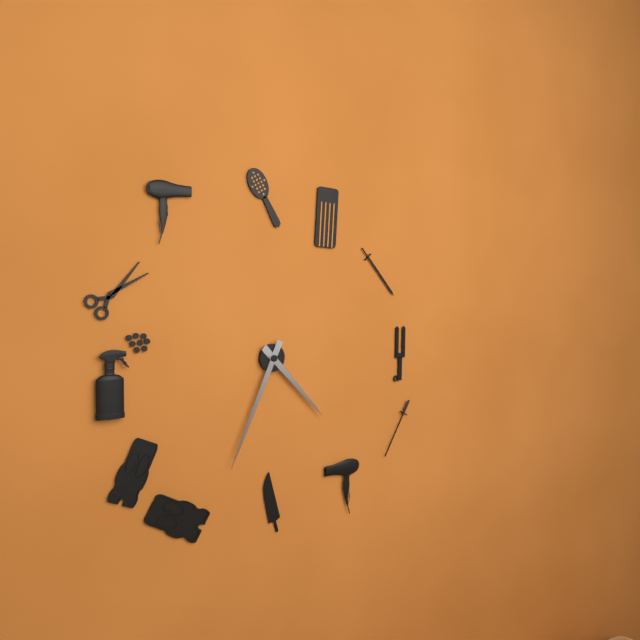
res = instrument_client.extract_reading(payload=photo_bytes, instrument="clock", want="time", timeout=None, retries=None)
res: 4:34
